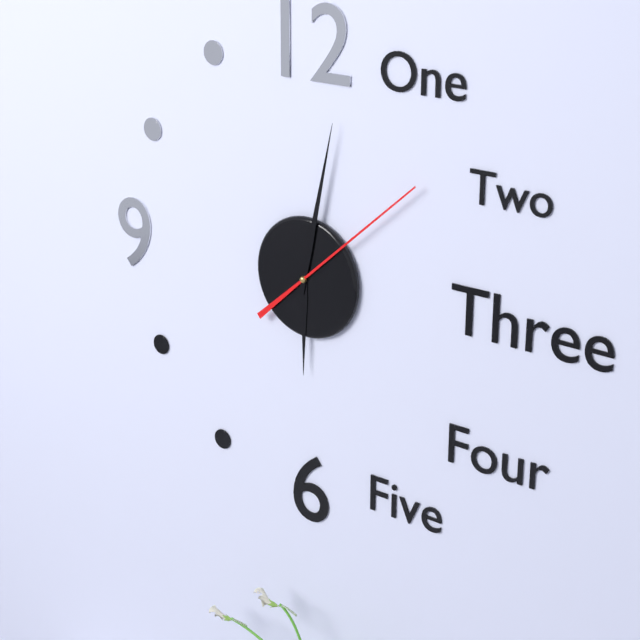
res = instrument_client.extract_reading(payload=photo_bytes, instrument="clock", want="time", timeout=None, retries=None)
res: 6:02:08
